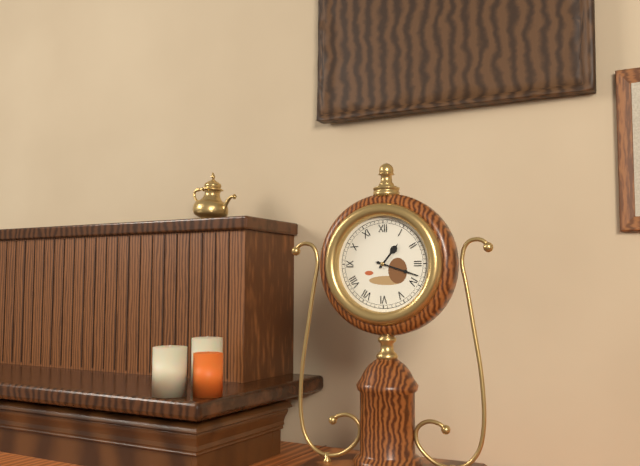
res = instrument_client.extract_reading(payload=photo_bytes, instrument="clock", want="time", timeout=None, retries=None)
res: 1:18
